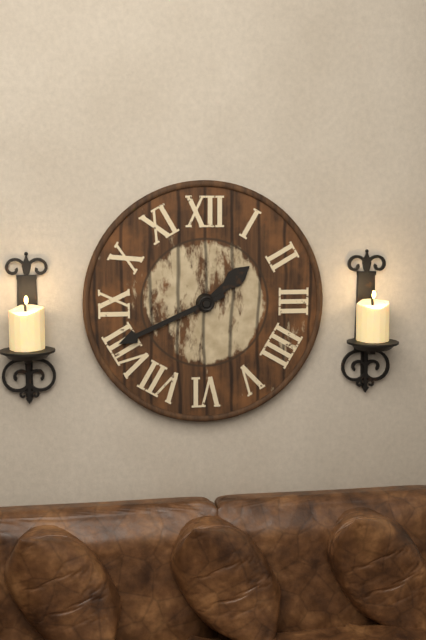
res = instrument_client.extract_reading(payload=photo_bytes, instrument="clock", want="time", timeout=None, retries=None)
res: 1:41
